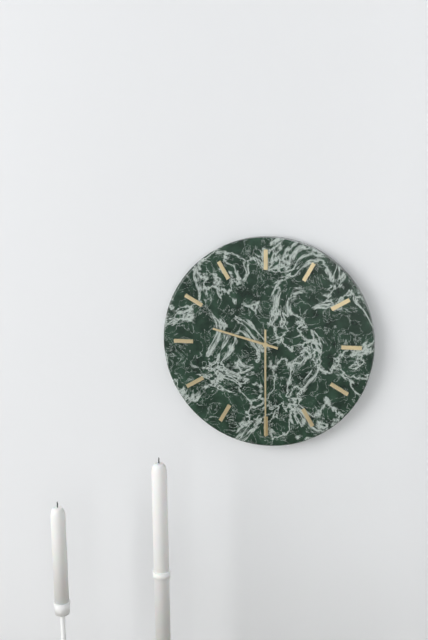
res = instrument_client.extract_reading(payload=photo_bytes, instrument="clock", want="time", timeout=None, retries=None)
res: 9:30
